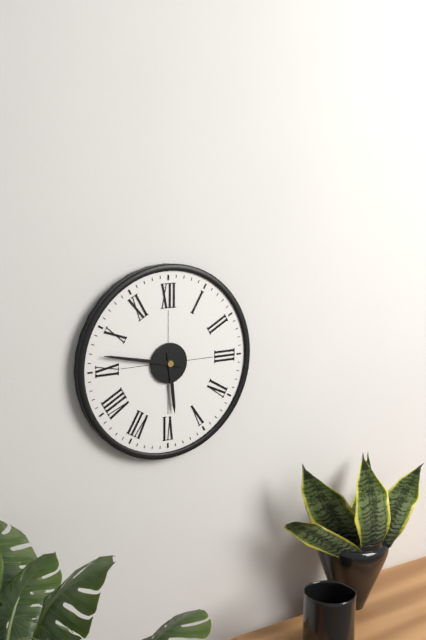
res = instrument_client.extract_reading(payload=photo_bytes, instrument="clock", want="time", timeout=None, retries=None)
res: 5:47
